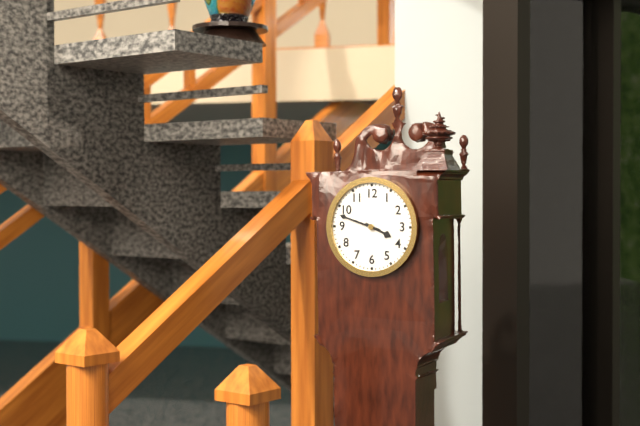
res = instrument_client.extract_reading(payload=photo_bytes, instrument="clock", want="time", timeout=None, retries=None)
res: 3:48
